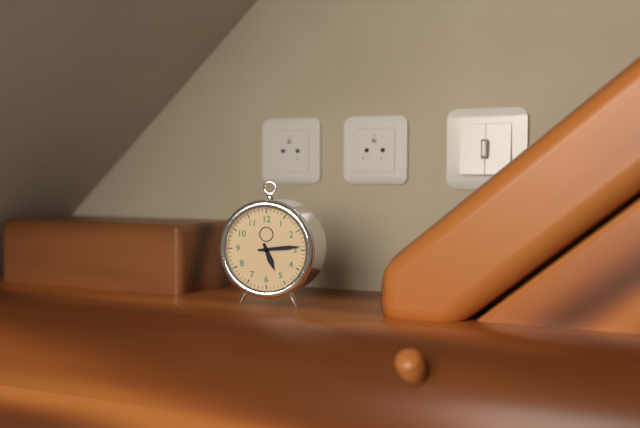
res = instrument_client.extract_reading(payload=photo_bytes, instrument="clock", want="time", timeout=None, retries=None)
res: 5:14
